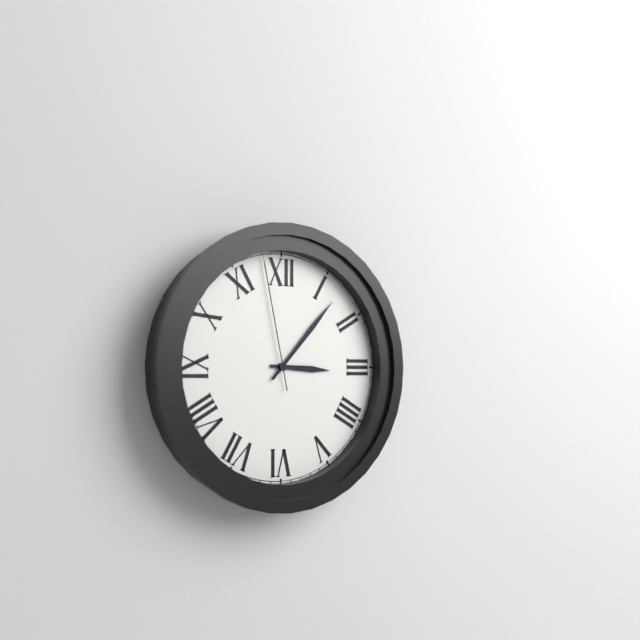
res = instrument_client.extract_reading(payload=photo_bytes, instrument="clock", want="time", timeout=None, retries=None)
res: 3:07:58
